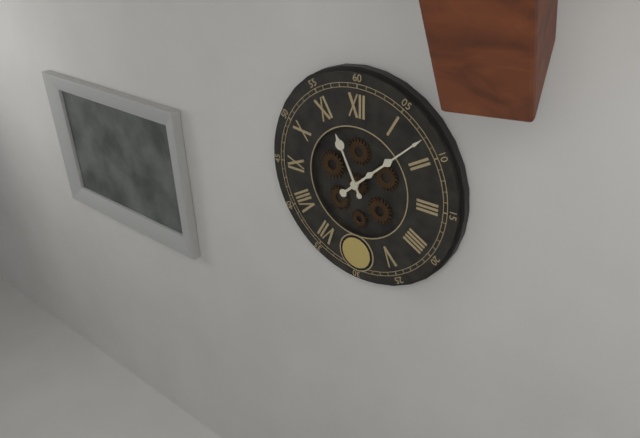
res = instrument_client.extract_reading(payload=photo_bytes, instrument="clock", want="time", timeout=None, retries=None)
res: 11:08
